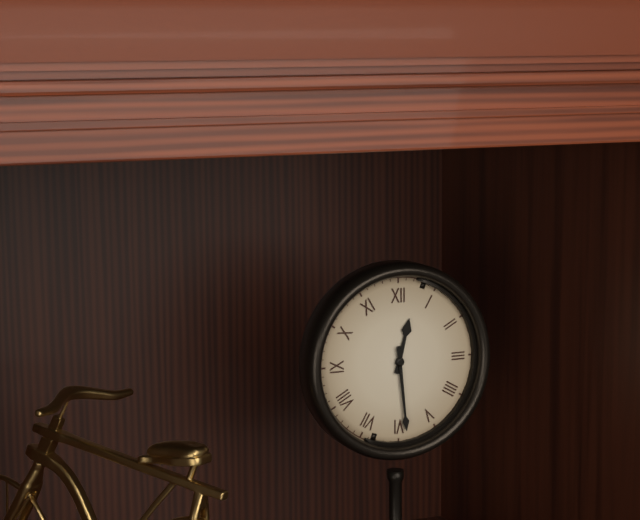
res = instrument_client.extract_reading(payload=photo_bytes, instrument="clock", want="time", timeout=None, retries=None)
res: 12:29
